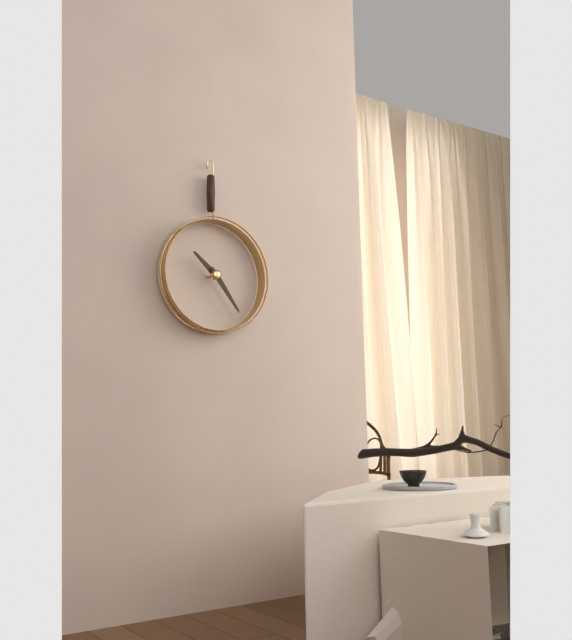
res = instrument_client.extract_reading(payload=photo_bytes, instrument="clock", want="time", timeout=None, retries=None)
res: 10:24
